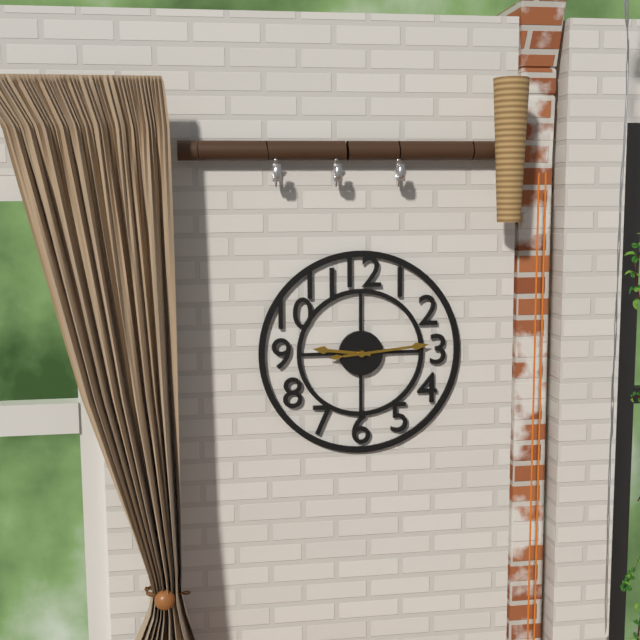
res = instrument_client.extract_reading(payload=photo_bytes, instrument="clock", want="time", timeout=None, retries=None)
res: 9:14
